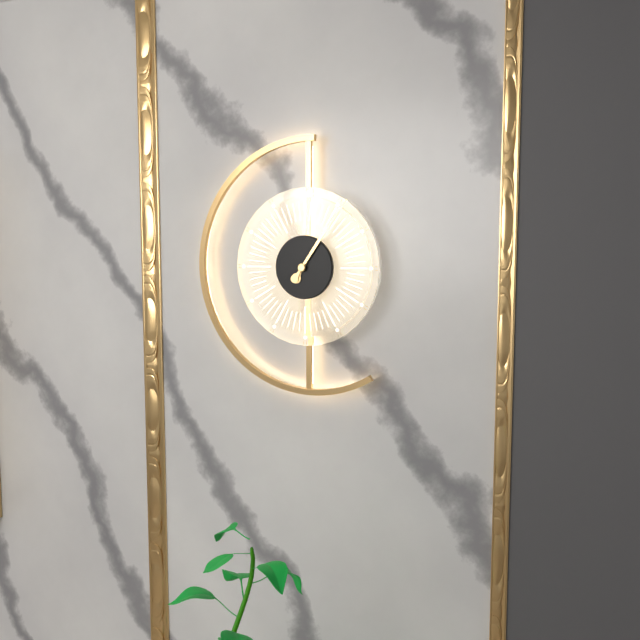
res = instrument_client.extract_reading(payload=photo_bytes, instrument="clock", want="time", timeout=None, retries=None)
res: 1:06
